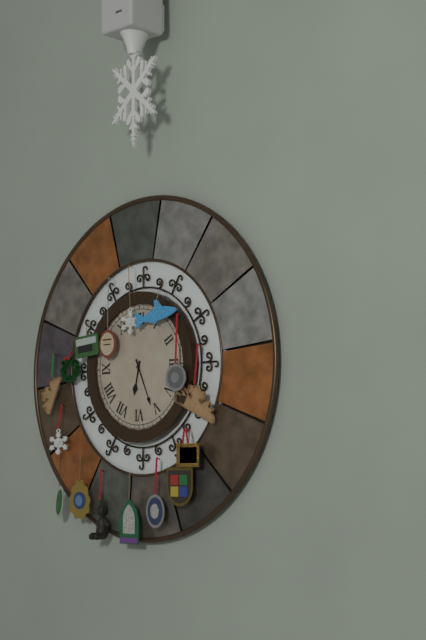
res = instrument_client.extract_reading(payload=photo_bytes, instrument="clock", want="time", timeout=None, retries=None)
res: 6:26
